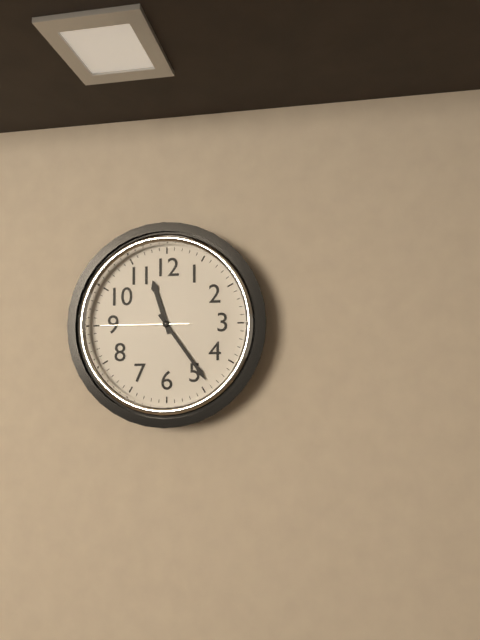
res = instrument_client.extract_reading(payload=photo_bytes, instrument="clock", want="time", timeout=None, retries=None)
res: 11:24:45
